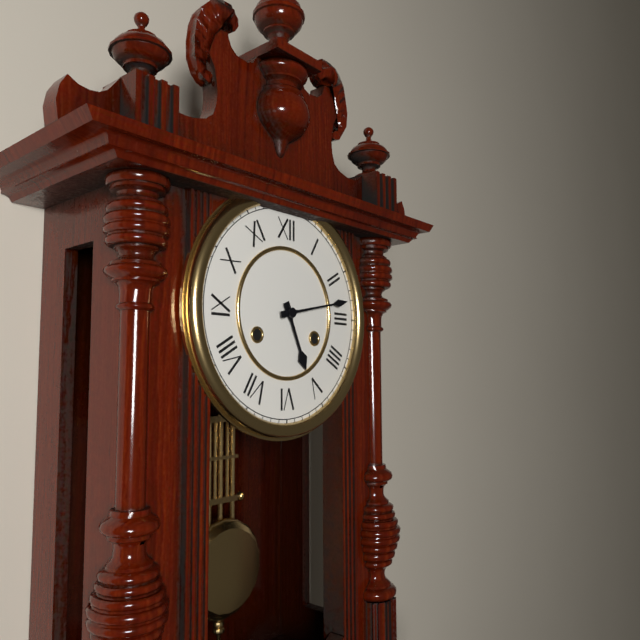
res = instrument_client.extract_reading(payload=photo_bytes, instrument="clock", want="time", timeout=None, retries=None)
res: 5:13
